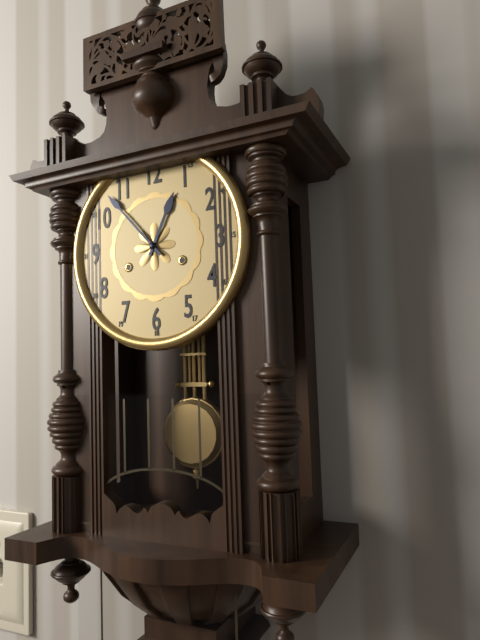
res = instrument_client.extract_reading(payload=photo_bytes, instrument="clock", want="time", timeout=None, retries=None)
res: 12:53
